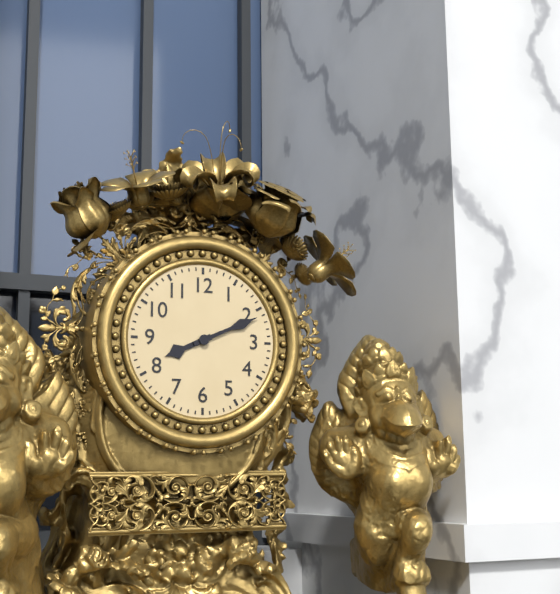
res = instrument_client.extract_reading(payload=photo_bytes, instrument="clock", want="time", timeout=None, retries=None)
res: 8:11
